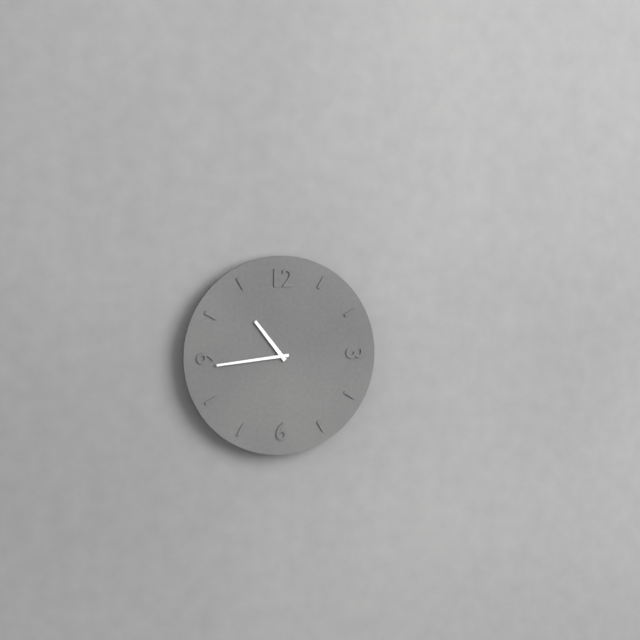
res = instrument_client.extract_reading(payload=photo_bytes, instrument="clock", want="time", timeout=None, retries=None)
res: 10:44
